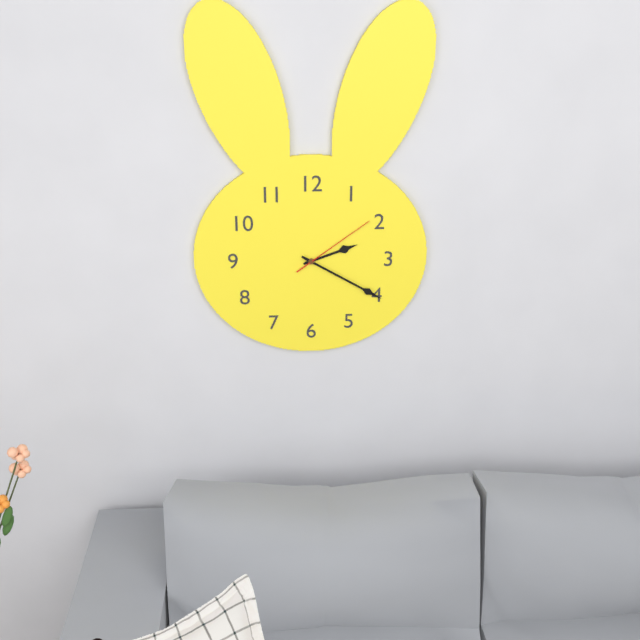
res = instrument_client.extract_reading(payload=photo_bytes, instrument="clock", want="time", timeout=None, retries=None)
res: 2:20:09
